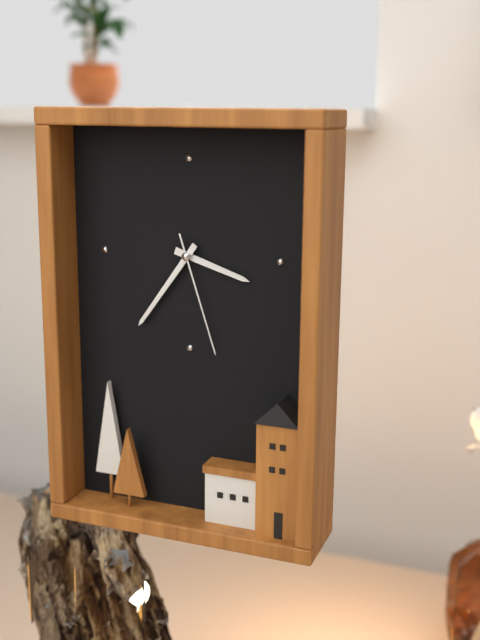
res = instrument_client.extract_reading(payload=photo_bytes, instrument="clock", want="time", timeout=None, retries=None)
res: 3:36:27
